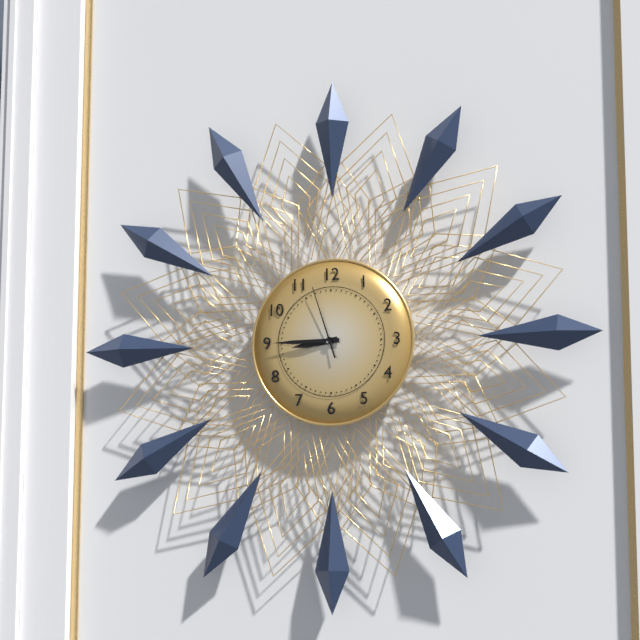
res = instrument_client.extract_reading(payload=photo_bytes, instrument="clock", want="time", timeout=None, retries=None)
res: 8:45:57
